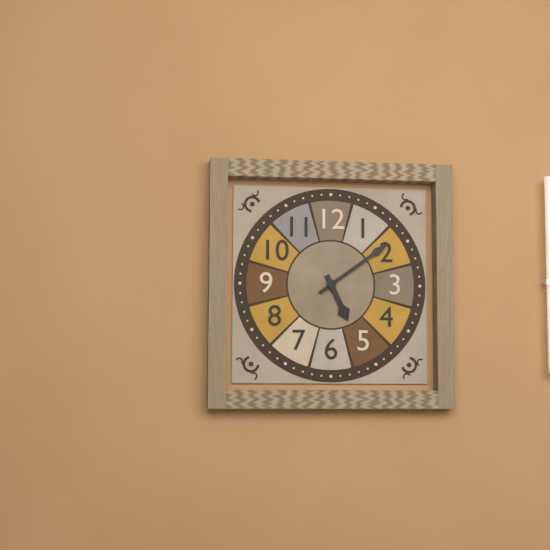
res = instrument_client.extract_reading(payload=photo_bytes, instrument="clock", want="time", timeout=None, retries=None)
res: 5:09
